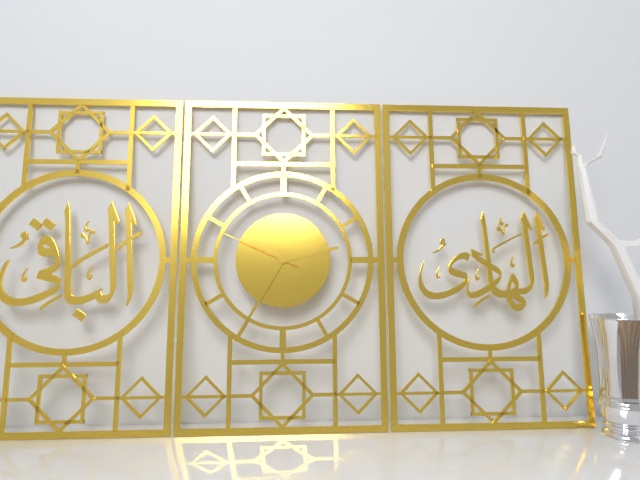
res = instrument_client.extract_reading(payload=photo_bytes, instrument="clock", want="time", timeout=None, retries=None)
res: 2:35:49
